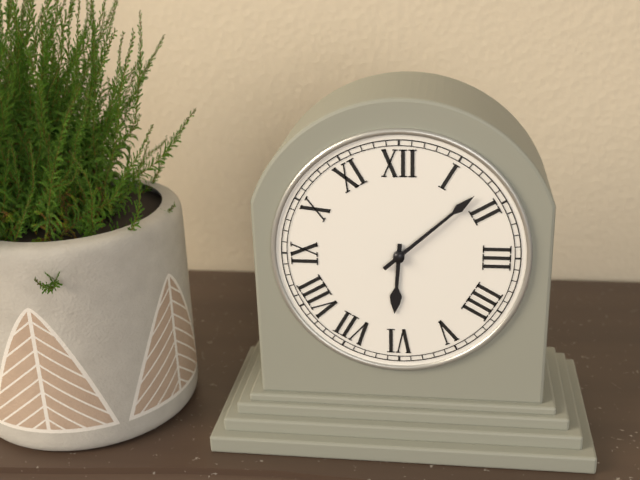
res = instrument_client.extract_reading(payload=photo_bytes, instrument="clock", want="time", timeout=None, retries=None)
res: 6:08
